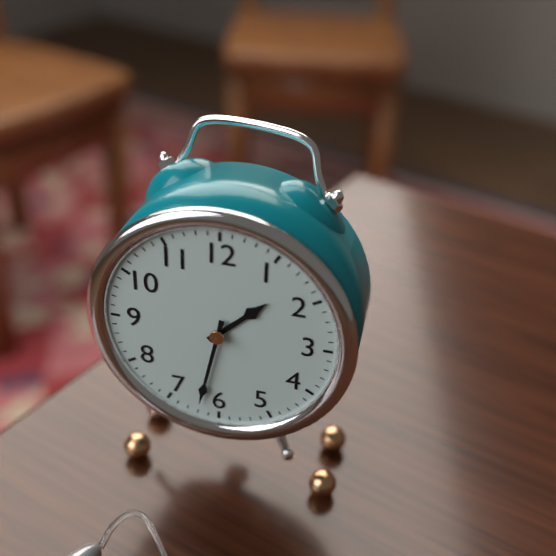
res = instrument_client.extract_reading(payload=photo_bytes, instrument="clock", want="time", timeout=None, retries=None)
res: 1:32
